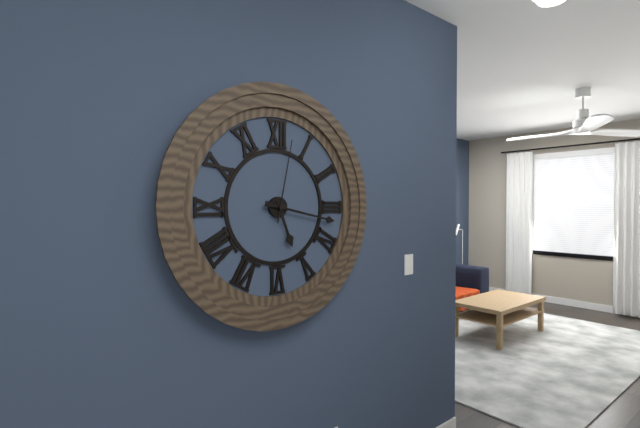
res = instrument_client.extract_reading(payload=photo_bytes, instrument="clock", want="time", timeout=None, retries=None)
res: 5:17:02
